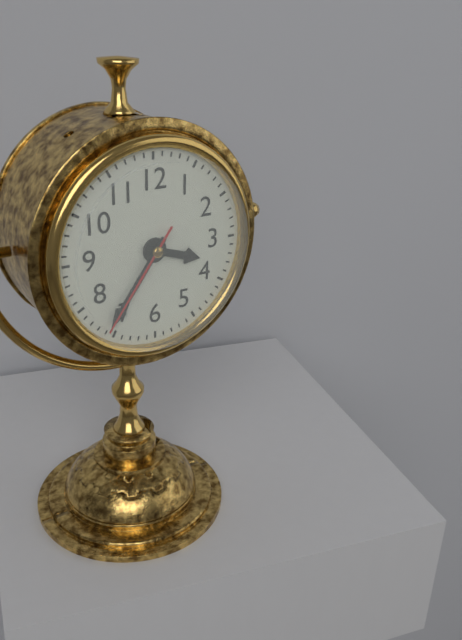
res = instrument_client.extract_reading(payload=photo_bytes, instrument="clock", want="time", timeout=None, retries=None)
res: 3:36:36
